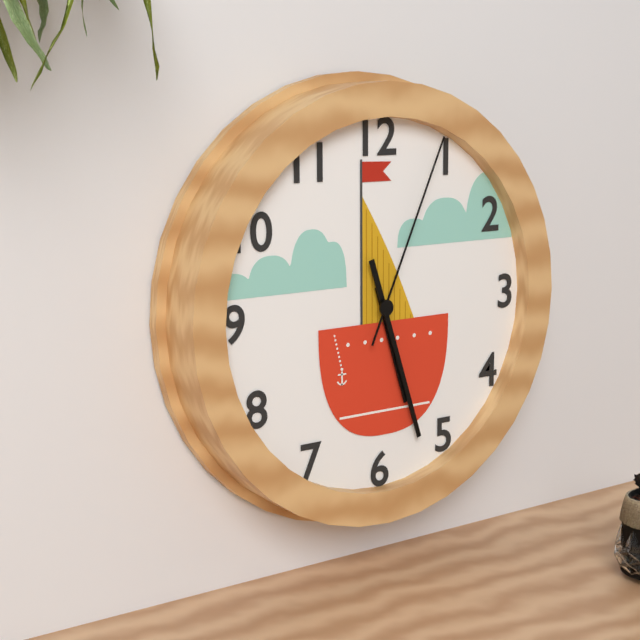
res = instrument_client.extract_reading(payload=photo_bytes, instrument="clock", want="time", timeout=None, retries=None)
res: 5:27:04
